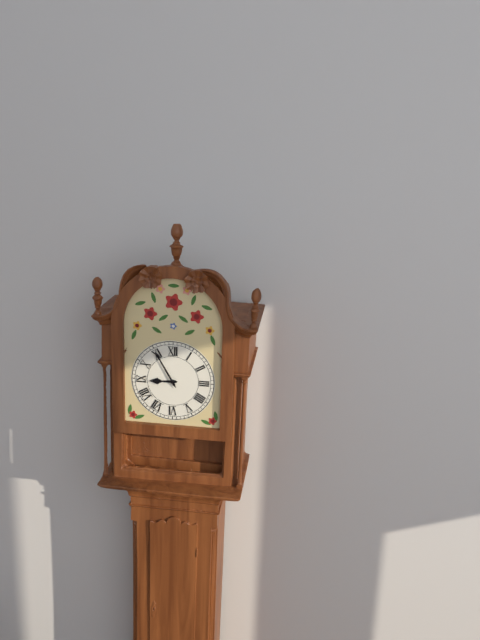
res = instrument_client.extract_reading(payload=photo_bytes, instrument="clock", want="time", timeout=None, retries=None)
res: 8:55
